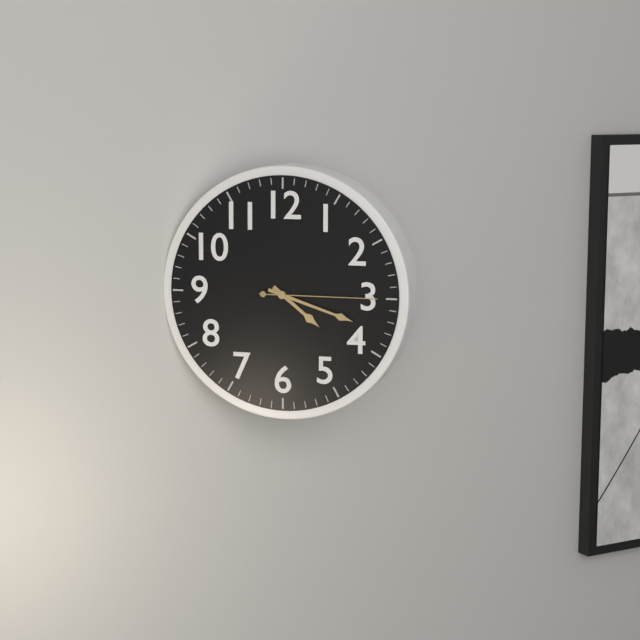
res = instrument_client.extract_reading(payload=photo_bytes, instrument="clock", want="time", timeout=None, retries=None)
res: 4:18:15
